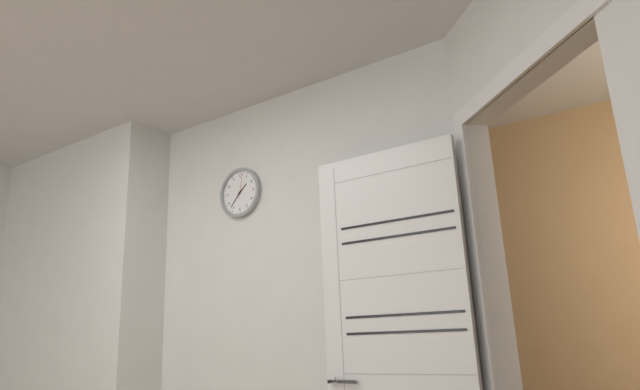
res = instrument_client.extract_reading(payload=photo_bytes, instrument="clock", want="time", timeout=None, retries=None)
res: 1:37
